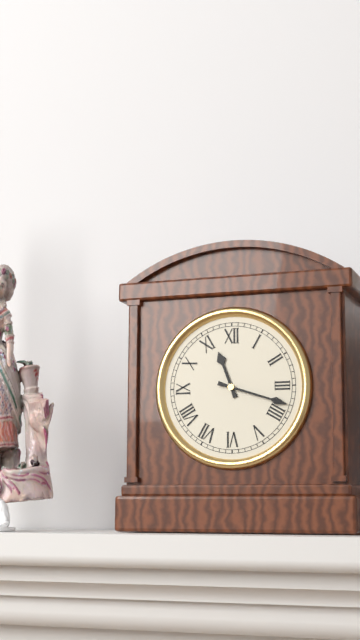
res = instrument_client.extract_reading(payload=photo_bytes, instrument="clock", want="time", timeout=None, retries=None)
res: 11:18
